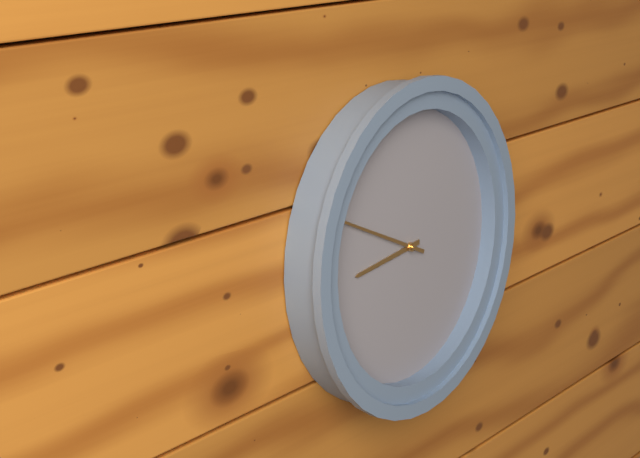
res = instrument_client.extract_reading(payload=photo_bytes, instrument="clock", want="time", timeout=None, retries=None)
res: 8:49
